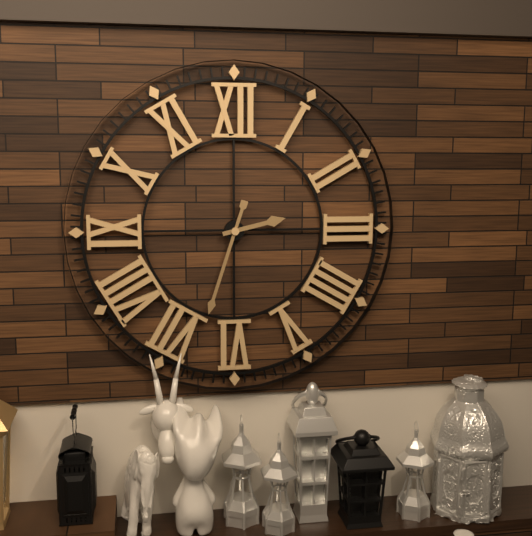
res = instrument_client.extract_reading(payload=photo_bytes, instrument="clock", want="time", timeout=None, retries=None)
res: 2:33
